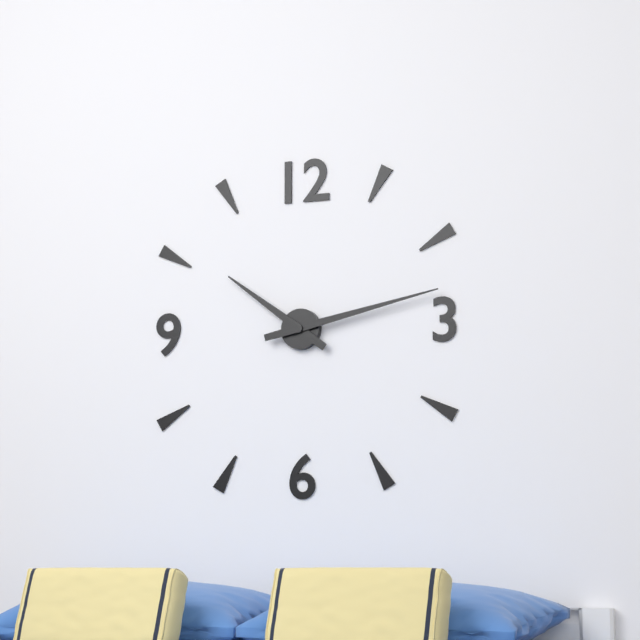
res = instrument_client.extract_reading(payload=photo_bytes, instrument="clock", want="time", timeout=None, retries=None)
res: 10:13
